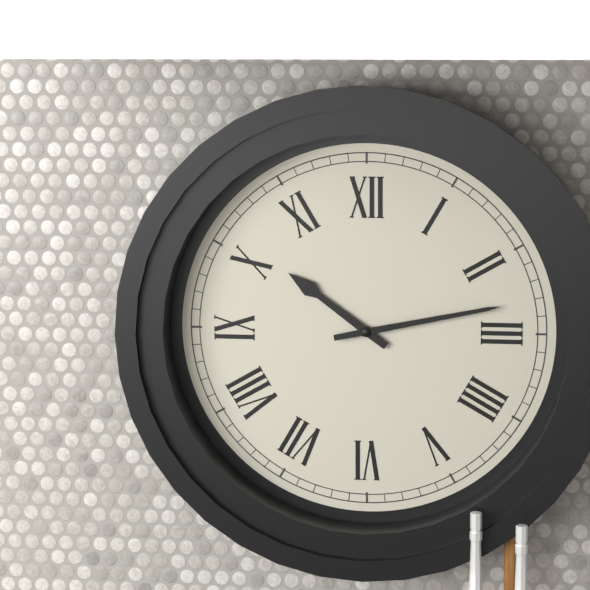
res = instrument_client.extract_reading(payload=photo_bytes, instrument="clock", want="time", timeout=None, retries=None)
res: 10:13
